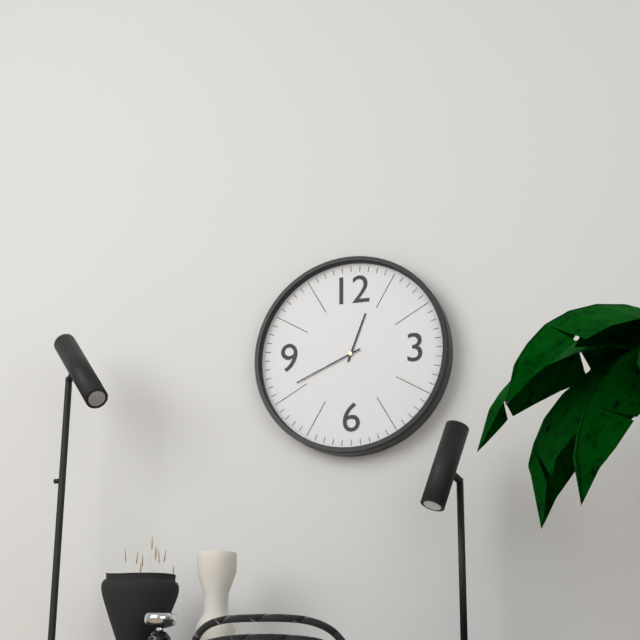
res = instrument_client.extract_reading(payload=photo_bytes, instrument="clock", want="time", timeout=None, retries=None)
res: 12:41
